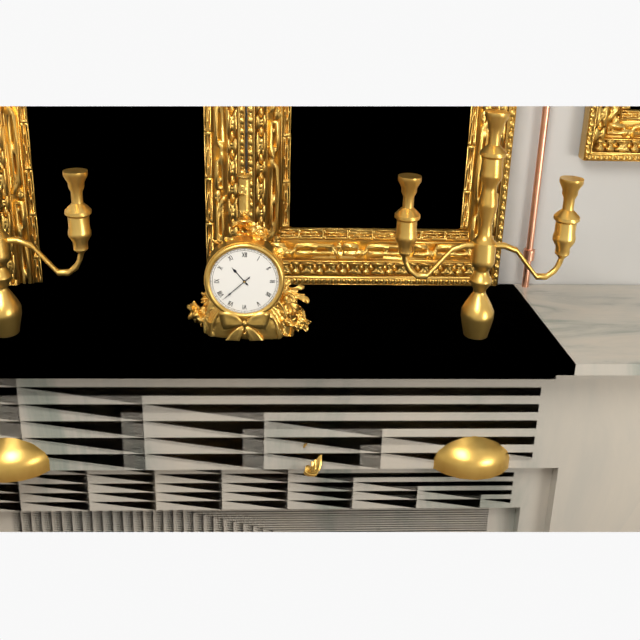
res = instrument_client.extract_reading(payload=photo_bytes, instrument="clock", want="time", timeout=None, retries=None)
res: 10:38
